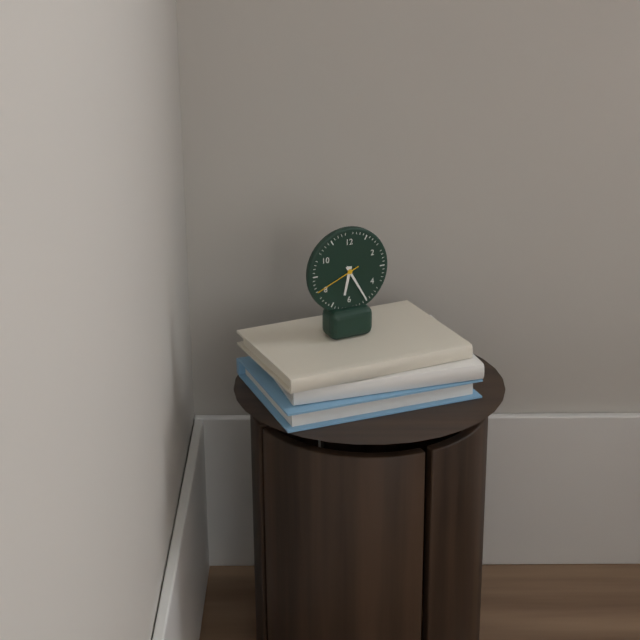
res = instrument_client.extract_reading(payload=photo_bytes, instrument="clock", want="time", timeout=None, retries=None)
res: 6:25
